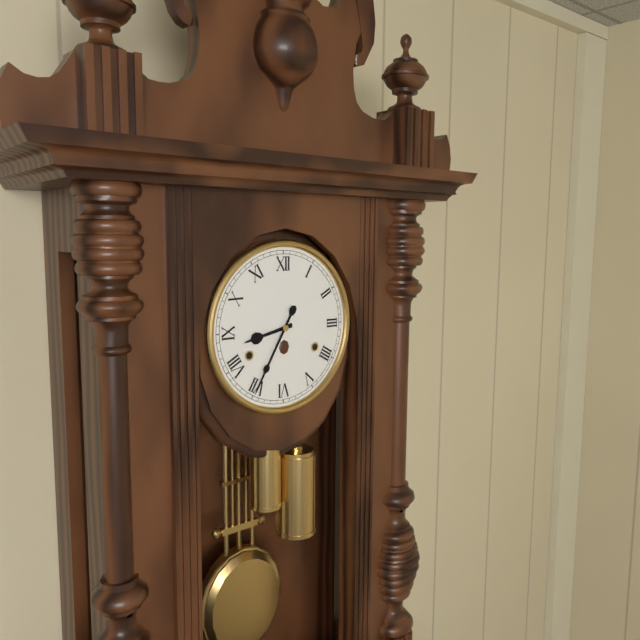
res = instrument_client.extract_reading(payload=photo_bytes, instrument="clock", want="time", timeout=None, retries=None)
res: 8:35
